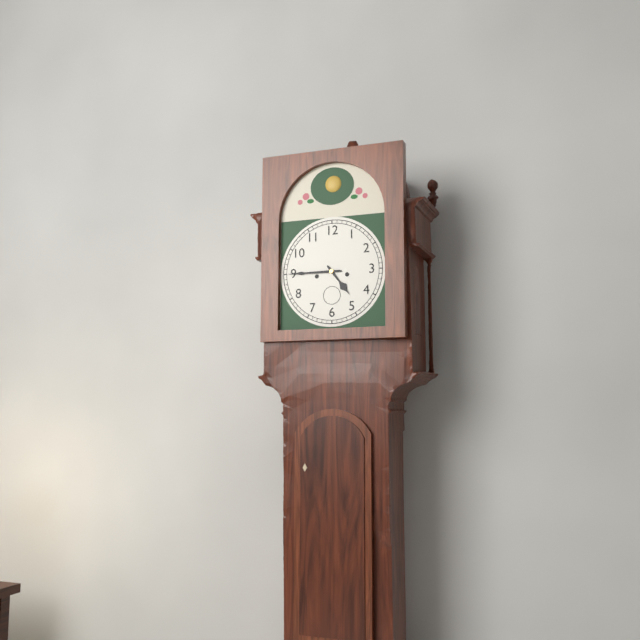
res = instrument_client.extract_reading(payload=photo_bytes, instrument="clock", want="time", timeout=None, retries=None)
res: 4:45
